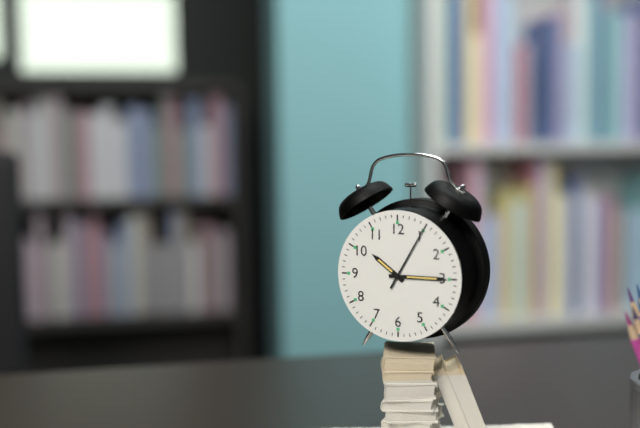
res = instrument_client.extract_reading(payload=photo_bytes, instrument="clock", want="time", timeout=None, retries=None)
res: 10:15:05
